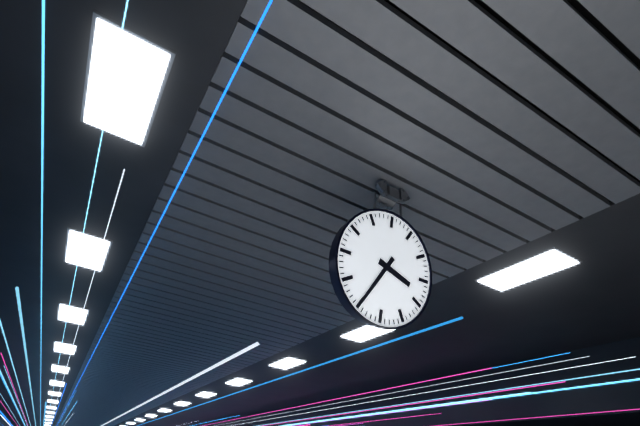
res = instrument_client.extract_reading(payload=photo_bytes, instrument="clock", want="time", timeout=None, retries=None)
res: 3:35
